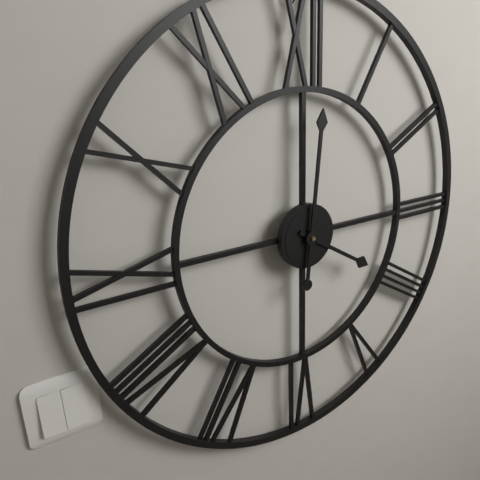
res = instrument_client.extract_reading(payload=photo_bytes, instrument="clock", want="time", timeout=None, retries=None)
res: 4:01
